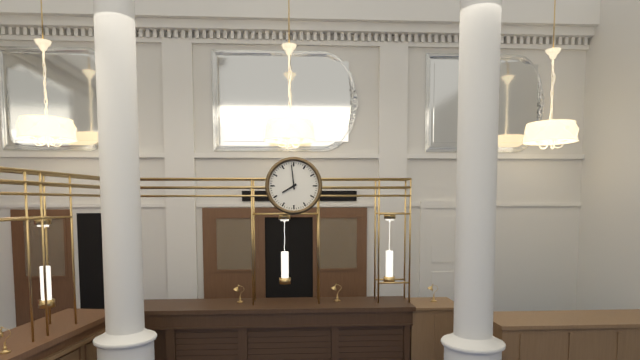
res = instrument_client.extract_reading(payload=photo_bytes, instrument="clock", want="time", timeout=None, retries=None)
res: 7:59
